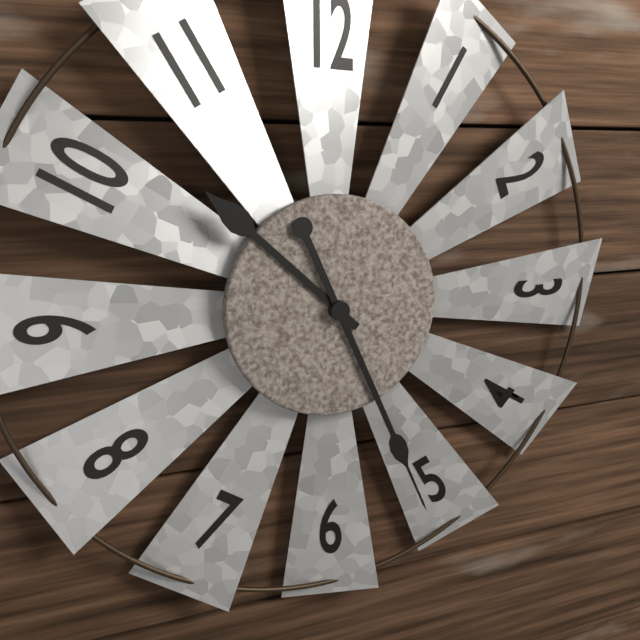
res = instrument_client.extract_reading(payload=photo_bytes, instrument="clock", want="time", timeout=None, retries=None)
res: 10:26
